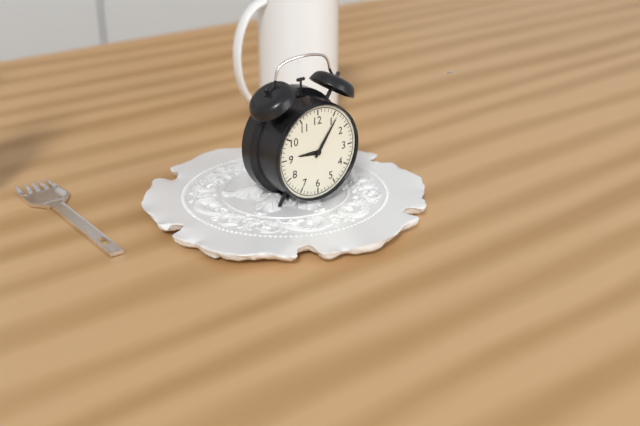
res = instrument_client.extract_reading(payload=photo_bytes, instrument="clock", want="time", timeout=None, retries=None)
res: 9:06
